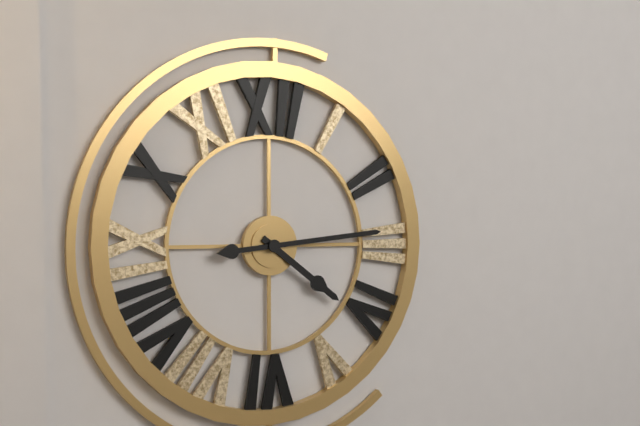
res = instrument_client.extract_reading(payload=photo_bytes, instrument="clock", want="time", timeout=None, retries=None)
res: 4:14
